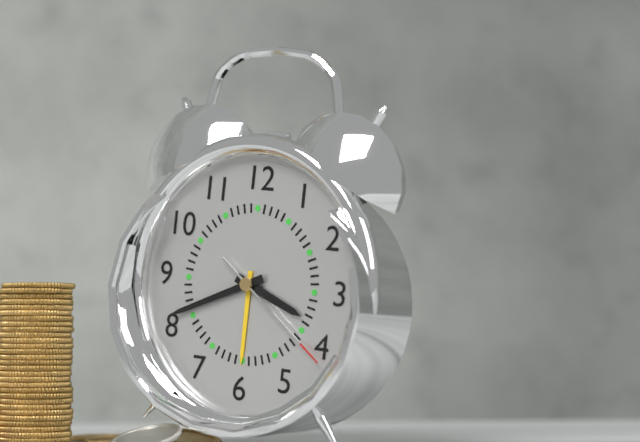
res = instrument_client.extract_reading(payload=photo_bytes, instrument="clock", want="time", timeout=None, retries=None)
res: 3:41:21
